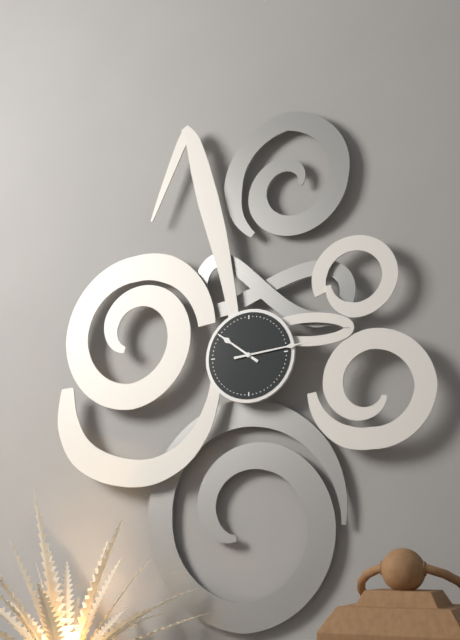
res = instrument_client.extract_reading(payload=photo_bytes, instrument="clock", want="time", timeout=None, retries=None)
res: 10:14
